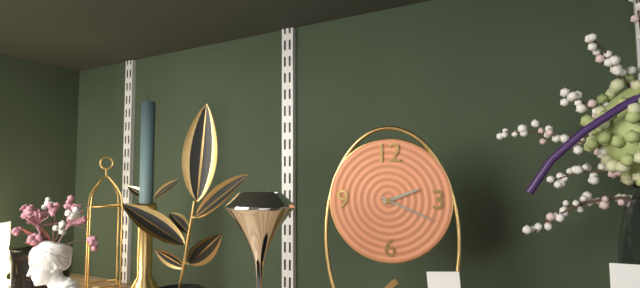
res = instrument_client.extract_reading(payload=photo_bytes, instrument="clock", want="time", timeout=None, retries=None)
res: 2:19
